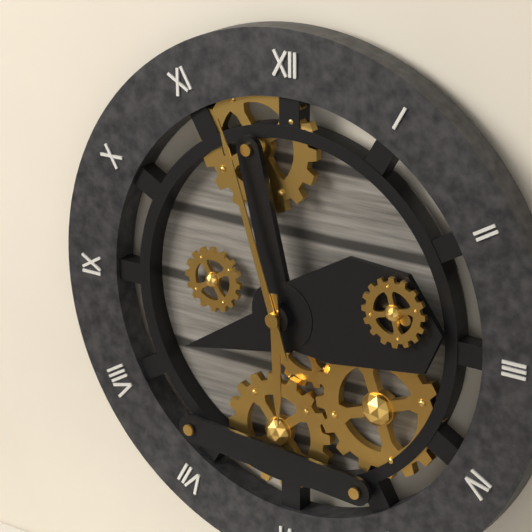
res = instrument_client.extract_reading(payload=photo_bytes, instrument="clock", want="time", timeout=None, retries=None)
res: 5:57
